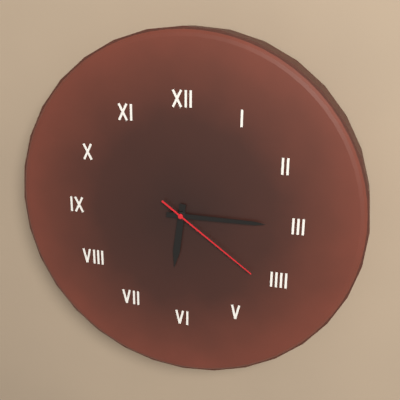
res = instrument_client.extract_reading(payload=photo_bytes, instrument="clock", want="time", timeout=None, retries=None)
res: 6:15:21
